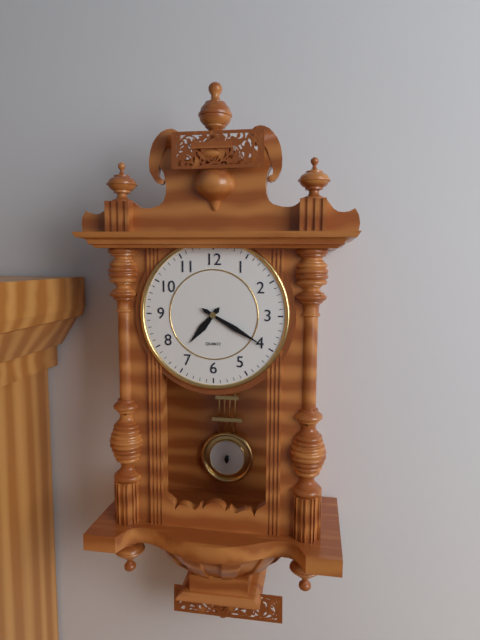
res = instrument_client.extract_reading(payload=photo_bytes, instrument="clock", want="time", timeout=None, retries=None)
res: 7:20
